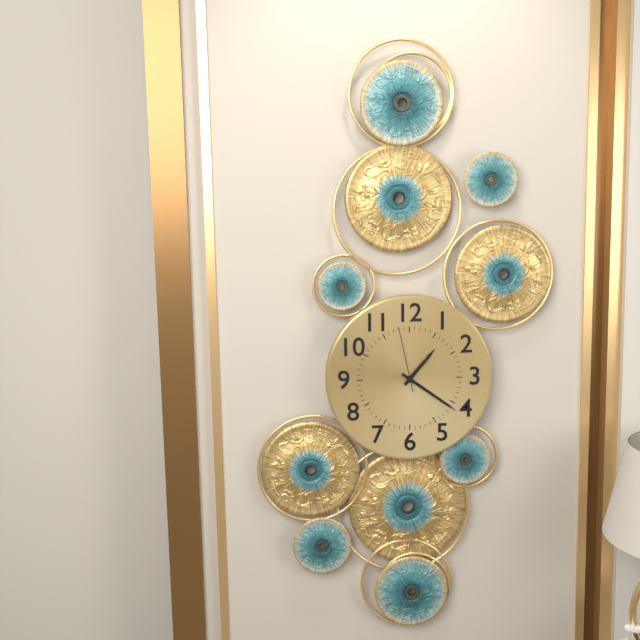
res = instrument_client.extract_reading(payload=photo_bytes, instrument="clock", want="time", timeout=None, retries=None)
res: 1:21:58
